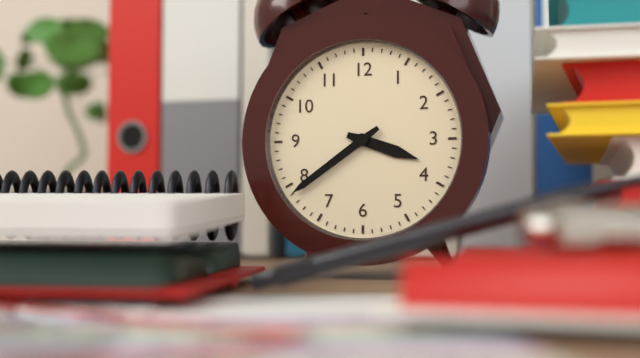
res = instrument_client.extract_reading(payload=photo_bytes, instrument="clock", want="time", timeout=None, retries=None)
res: 3:39
